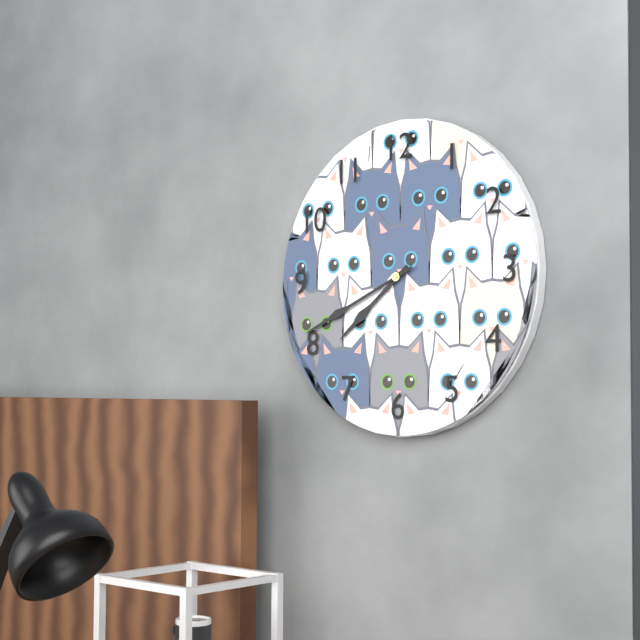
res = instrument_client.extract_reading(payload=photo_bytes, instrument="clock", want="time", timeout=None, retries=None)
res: 7:41
